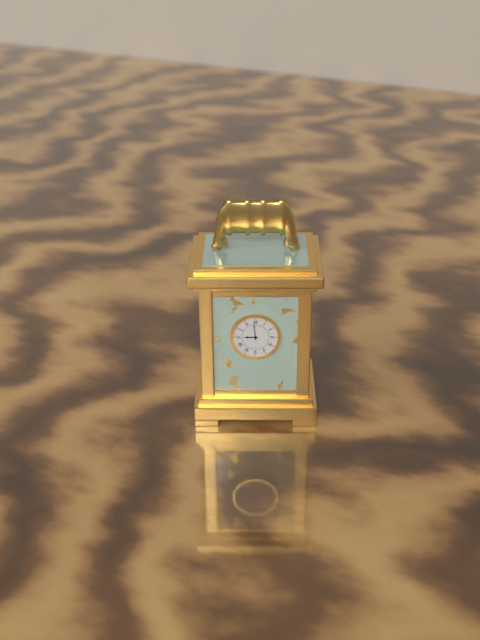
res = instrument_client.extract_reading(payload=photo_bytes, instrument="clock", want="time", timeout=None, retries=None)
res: 8:59
